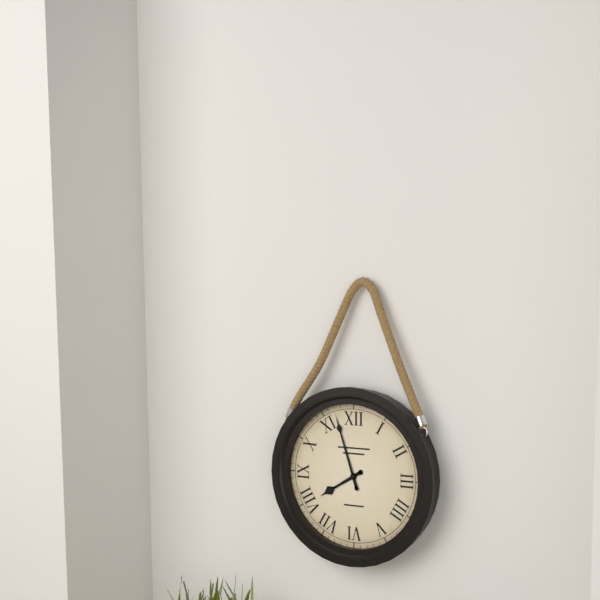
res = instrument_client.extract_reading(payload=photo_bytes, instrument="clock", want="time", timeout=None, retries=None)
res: 7:57
